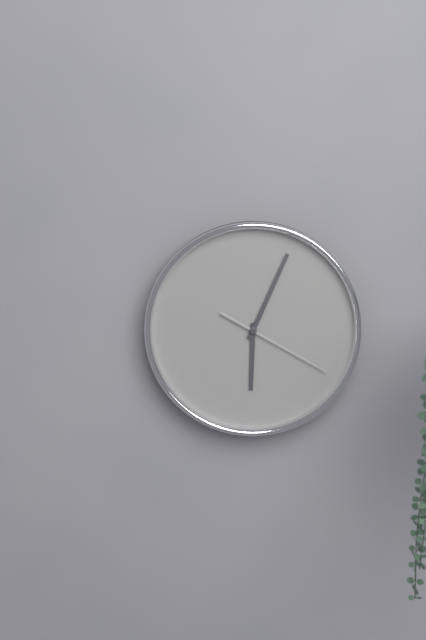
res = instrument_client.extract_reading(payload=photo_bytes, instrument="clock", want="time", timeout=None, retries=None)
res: 6:04:20
